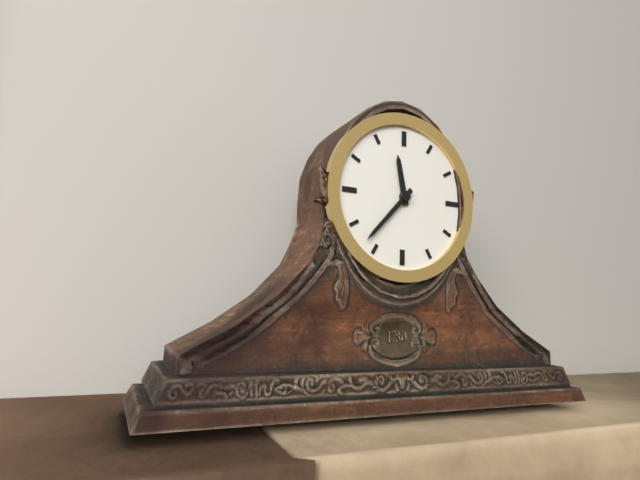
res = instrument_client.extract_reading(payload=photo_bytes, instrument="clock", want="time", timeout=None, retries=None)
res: 11:37
